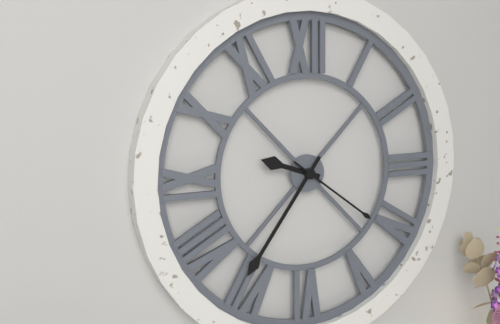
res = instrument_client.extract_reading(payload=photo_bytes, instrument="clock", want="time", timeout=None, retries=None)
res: 9:36:21
